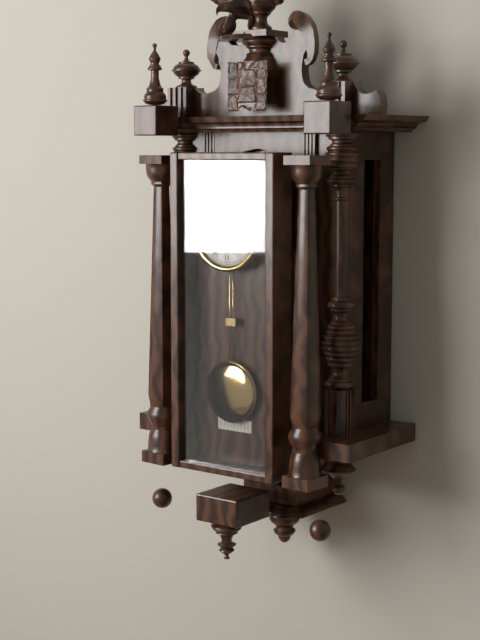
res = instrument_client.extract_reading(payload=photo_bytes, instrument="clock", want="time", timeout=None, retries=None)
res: 8:03
